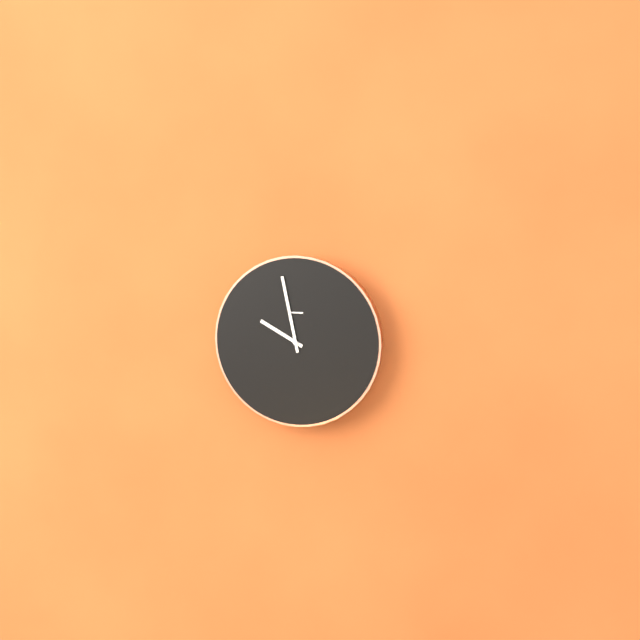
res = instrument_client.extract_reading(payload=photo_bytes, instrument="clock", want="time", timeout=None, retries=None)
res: 9:58
